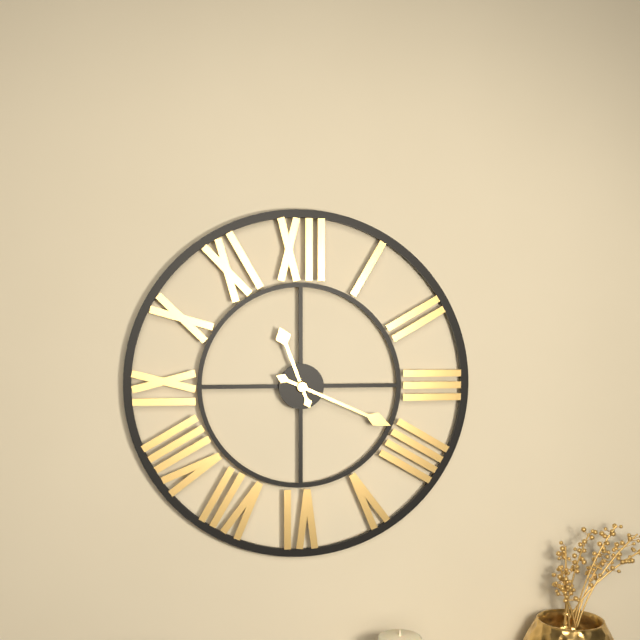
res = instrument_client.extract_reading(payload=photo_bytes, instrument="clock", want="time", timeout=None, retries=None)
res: 11:19
